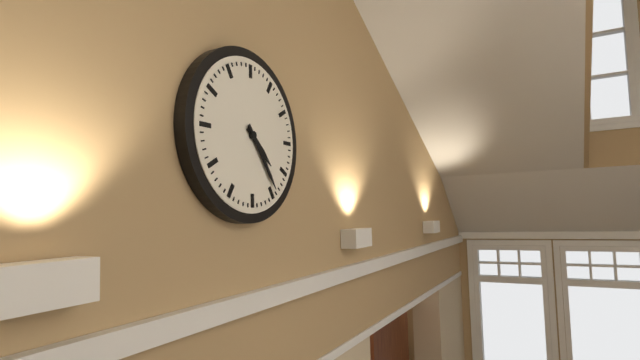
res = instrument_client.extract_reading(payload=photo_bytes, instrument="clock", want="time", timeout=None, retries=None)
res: 4:24
